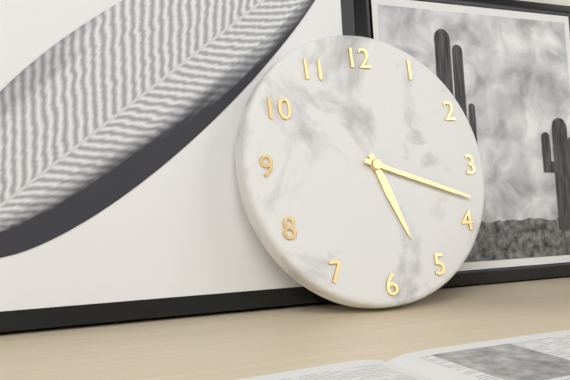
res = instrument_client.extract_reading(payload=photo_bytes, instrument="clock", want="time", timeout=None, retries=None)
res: 5:18
